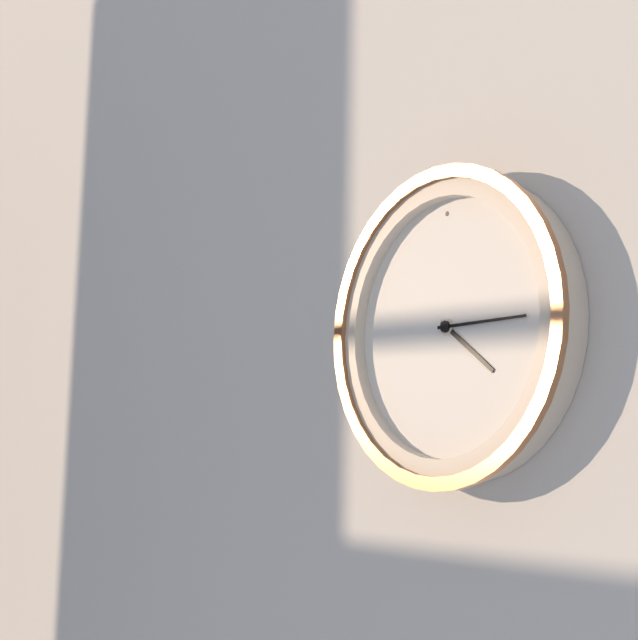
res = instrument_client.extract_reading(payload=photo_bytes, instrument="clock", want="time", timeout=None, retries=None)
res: 4:15
